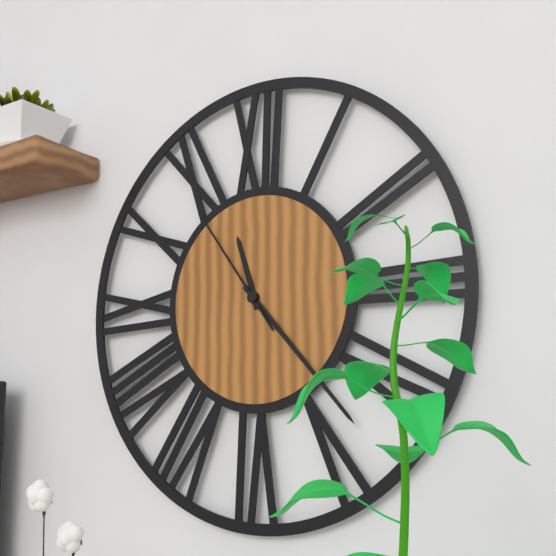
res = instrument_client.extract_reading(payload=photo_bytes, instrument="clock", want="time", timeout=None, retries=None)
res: 11:23:54
